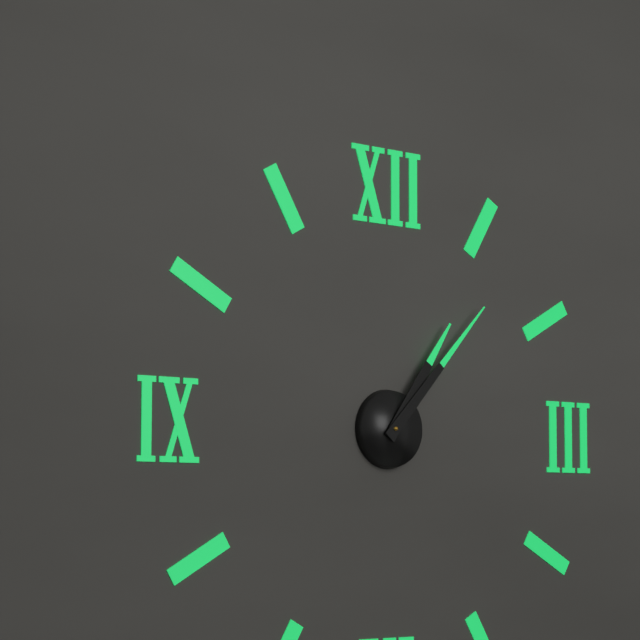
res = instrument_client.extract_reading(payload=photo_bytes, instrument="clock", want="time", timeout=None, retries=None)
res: 1:07
